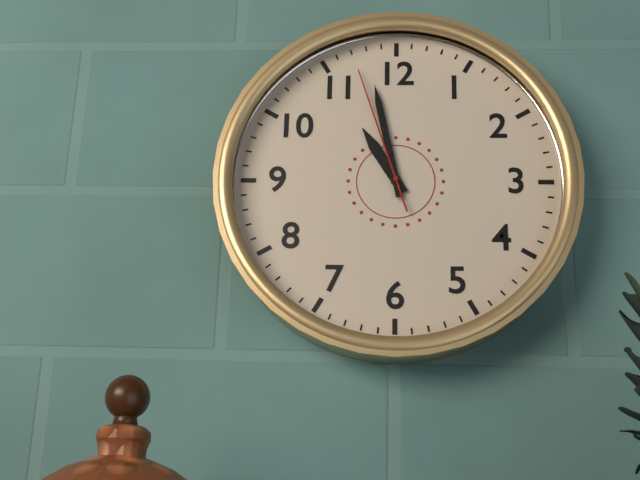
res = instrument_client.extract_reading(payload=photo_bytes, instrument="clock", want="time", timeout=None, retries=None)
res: 10:58:57
